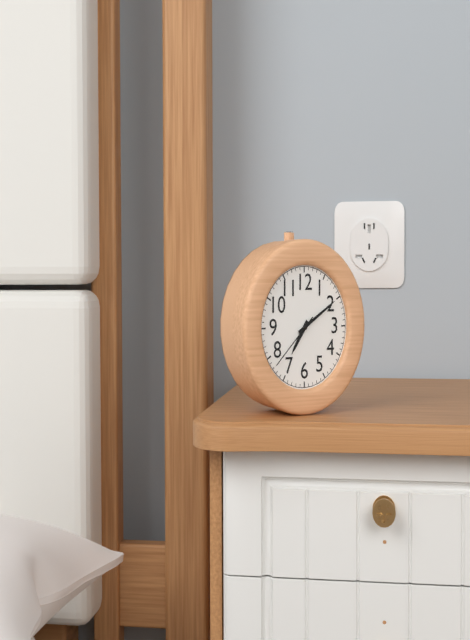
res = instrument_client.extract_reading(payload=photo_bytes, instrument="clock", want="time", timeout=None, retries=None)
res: 7:10:38
